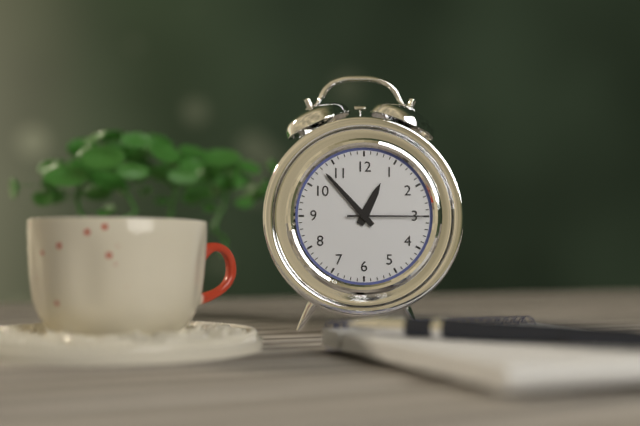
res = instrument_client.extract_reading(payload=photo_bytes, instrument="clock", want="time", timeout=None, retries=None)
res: 12:53:15
